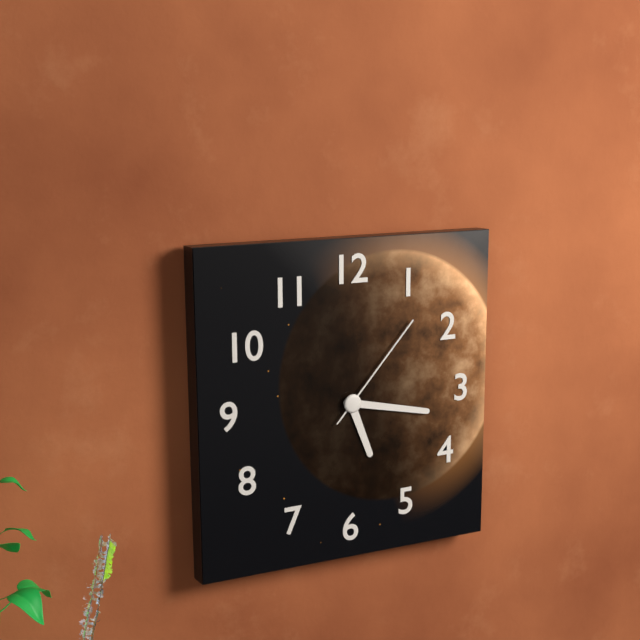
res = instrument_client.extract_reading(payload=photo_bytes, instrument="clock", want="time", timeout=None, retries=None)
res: 5:17:07
